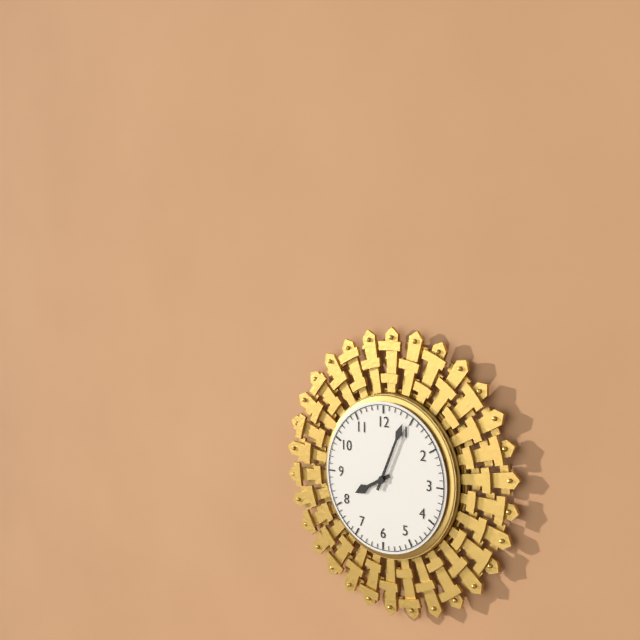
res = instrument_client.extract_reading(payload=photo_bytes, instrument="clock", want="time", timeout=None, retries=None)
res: 8:04
